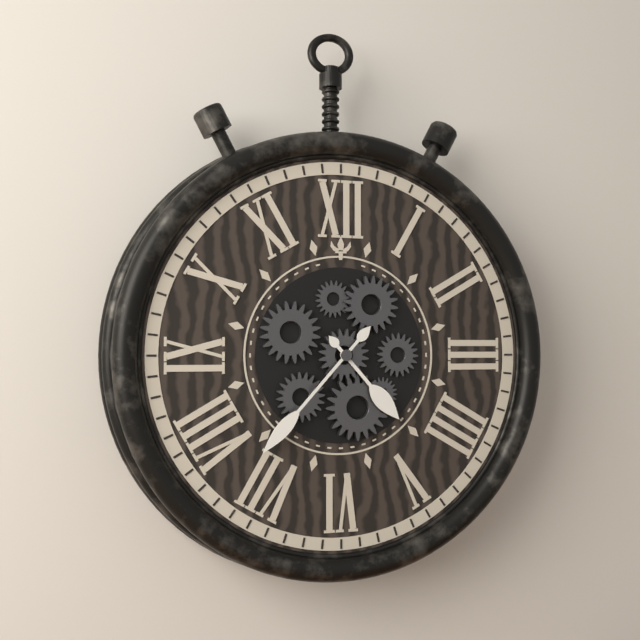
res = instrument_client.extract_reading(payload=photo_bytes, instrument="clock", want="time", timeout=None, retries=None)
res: 4:37
